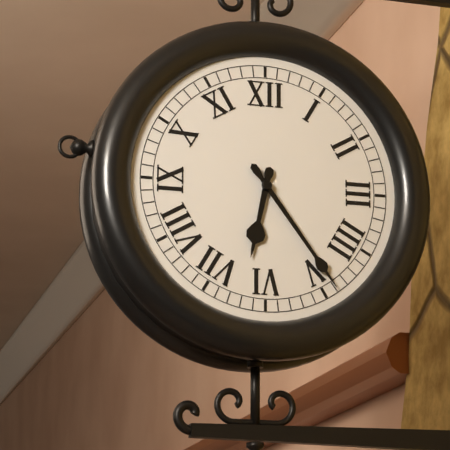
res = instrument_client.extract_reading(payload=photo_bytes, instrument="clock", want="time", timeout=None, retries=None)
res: 6:24
